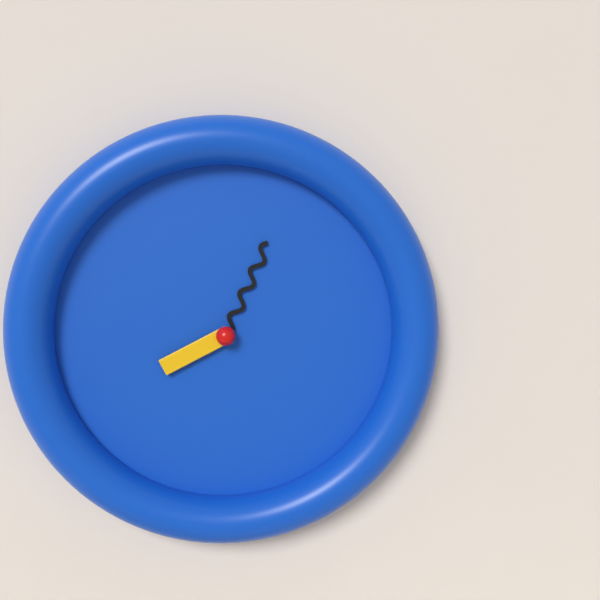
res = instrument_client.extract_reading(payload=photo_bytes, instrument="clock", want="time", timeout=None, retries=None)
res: 8:04
